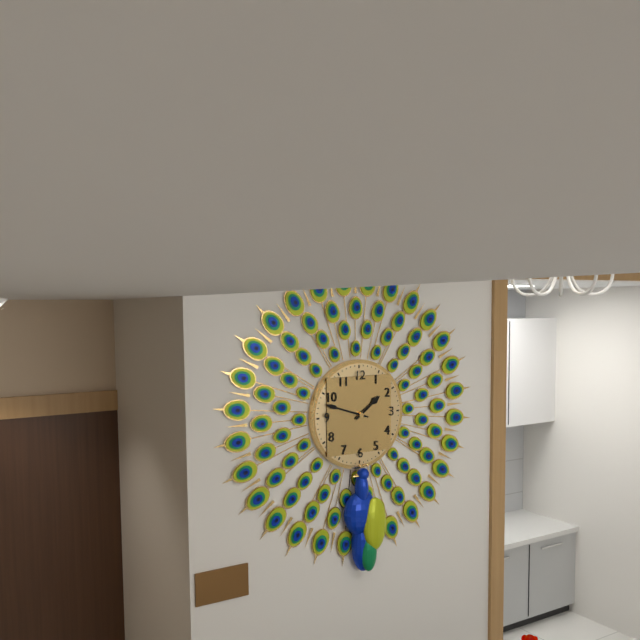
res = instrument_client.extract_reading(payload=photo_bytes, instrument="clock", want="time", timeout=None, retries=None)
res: 1:48
